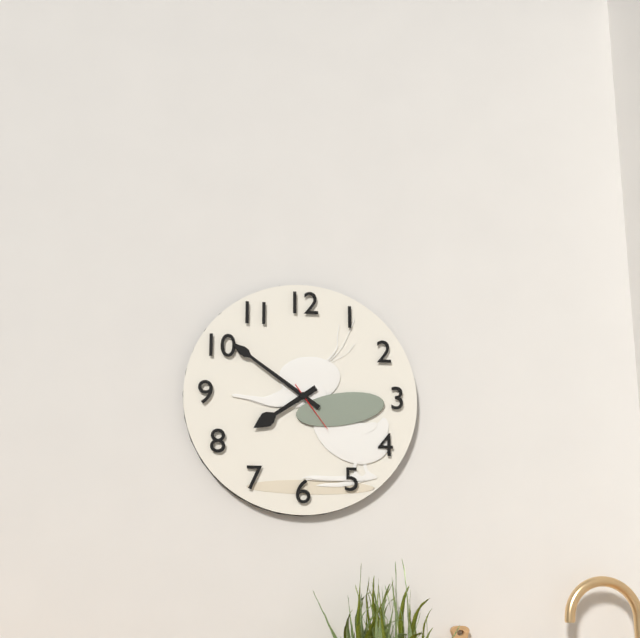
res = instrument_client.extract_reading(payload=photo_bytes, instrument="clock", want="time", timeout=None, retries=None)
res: 7:51:24
